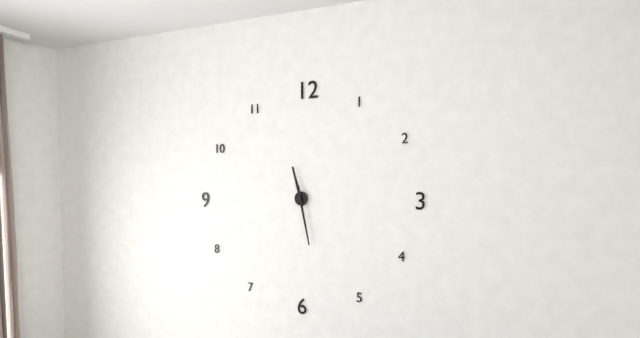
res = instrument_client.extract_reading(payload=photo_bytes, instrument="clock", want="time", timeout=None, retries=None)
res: 11:28
